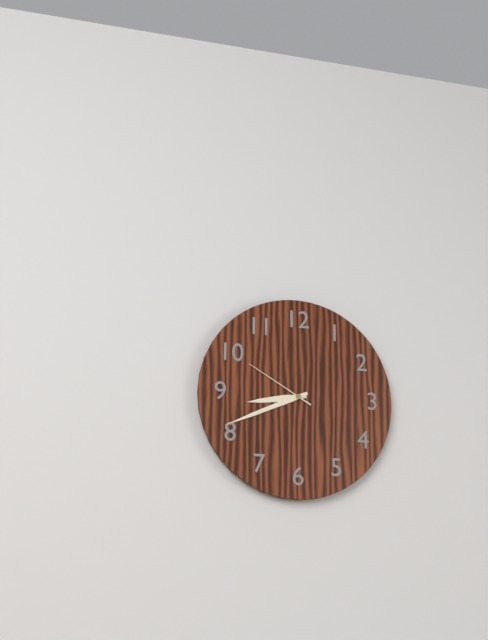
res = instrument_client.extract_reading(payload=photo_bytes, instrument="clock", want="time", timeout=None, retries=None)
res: 8:41:50
